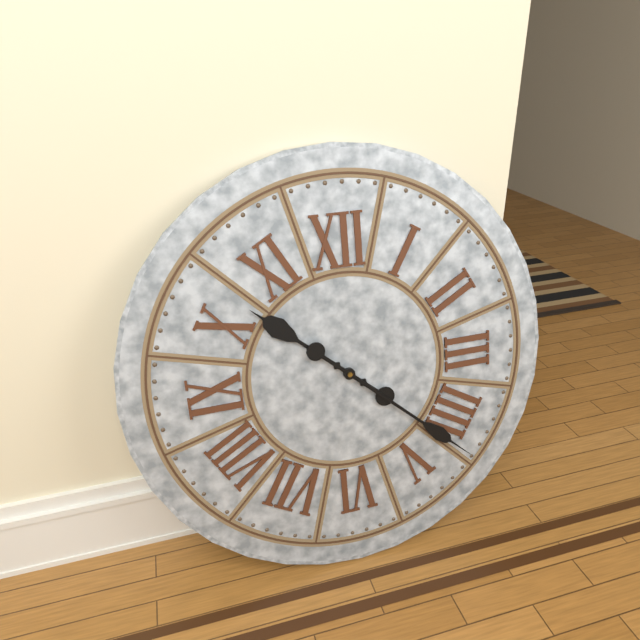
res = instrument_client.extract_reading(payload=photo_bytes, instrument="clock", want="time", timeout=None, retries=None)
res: 10:22
